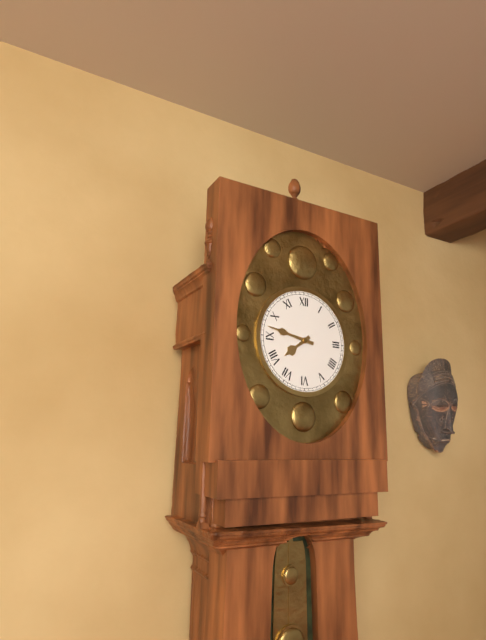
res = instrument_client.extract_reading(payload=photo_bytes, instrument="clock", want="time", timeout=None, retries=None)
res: 7:47
